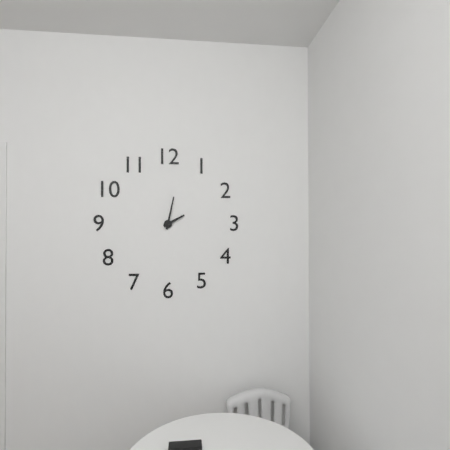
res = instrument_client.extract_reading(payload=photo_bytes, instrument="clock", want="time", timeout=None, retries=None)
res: 2:02
